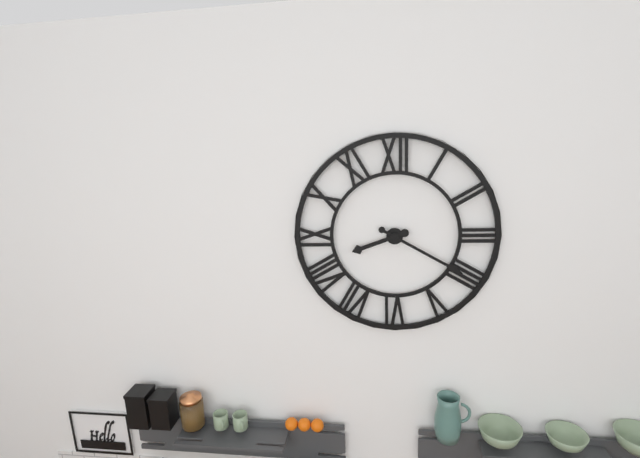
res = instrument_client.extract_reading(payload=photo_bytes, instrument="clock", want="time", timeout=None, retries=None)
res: 8:20
